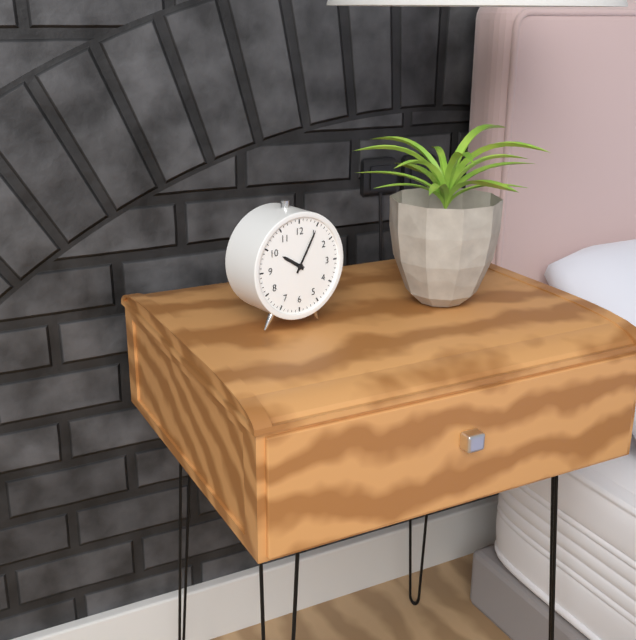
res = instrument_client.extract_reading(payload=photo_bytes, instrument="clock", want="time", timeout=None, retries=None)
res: 10:05
